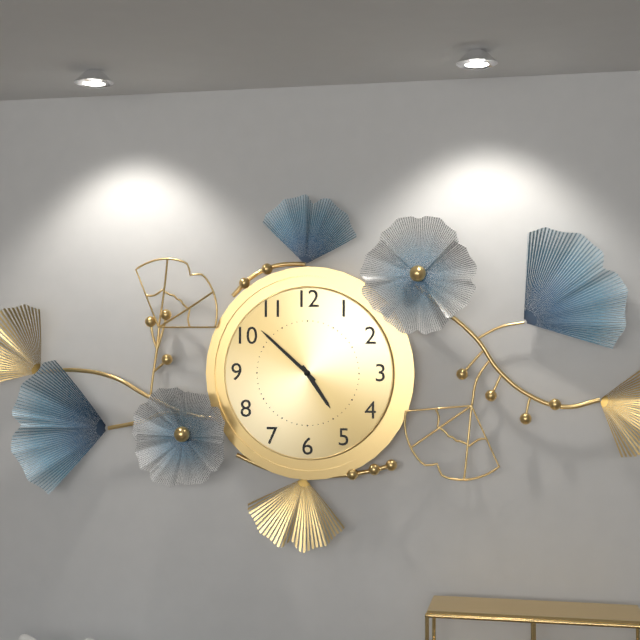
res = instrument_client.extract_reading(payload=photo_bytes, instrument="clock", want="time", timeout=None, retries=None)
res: 4:52
